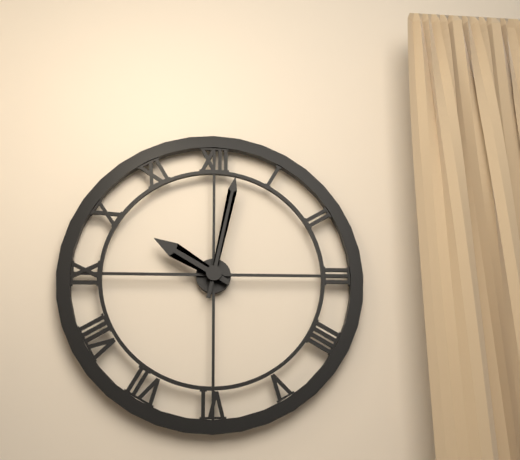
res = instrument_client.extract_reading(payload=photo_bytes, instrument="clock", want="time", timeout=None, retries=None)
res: 10:02
